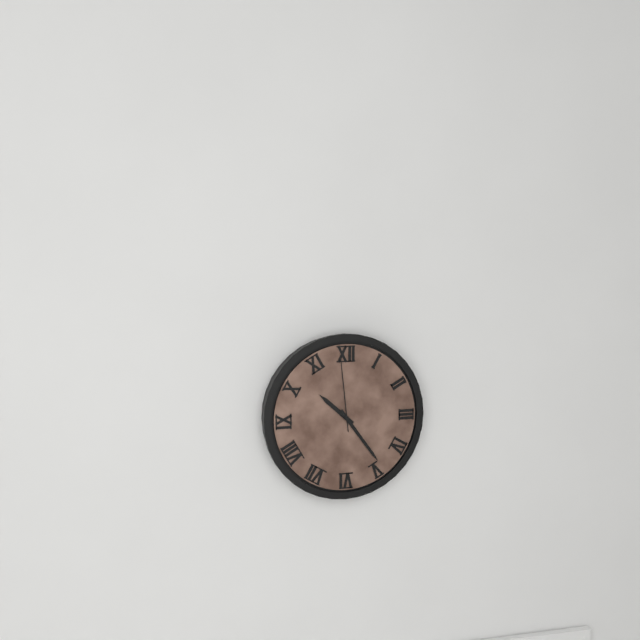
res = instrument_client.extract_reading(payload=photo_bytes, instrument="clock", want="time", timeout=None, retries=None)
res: 10:24:59
